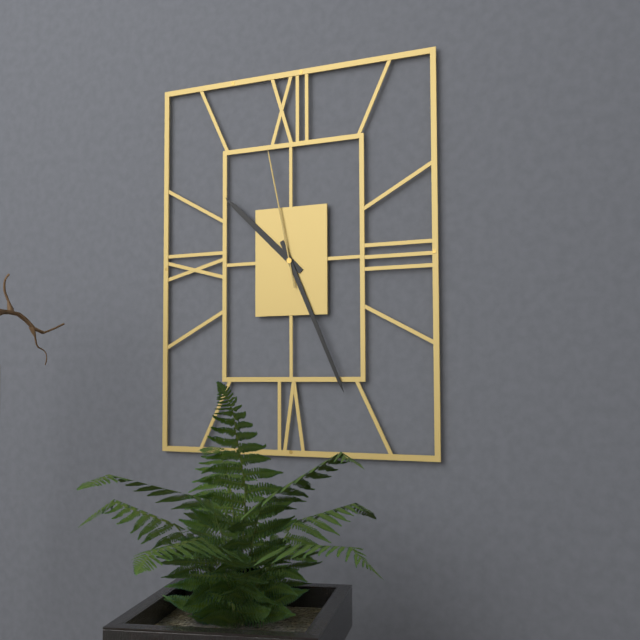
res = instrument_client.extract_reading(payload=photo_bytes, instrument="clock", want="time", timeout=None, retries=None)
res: 10:26:58
